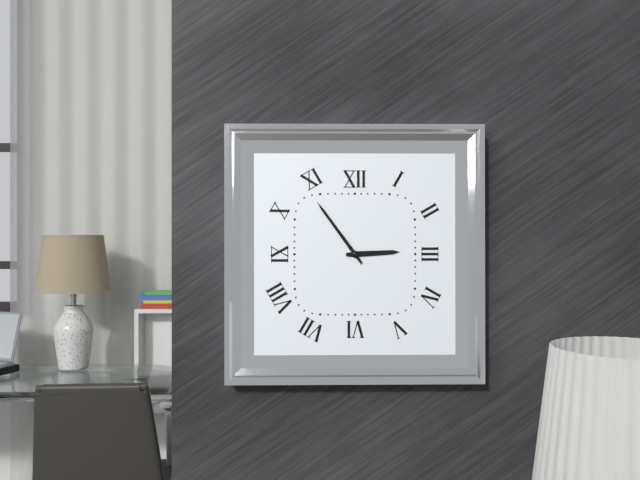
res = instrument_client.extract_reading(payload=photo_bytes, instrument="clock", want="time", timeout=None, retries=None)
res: 2:54
